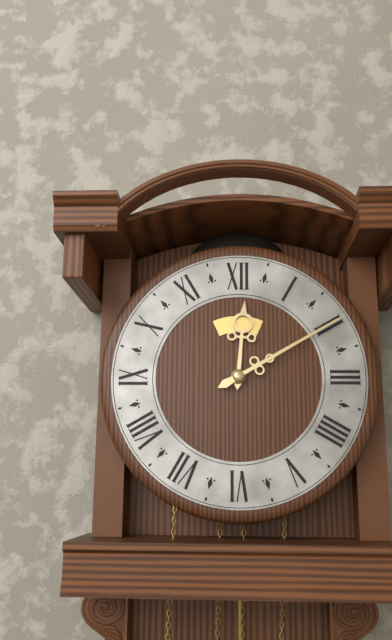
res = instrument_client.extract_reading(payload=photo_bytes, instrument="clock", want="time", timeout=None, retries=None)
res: 12:10
